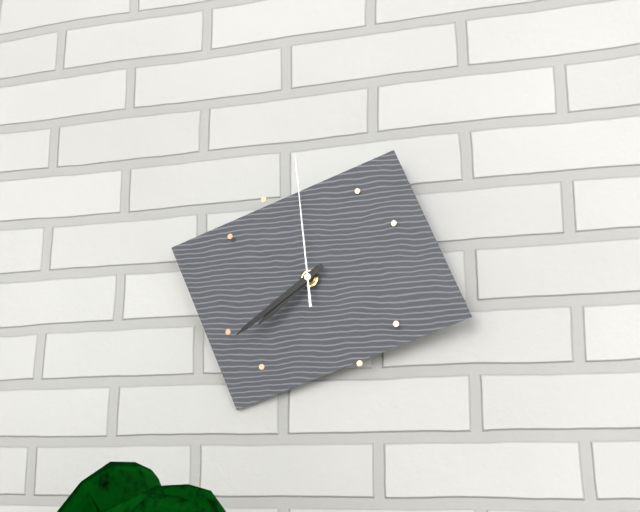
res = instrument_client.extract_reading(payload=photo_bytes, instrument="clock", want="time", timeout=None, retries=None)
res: 7:39:59
